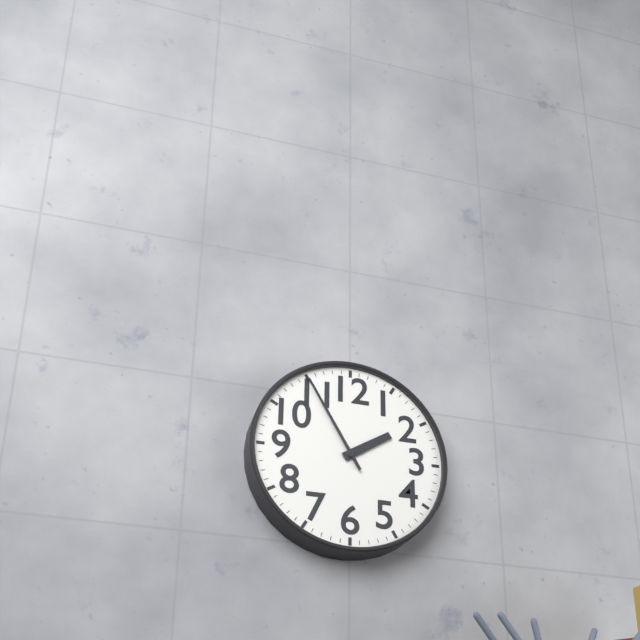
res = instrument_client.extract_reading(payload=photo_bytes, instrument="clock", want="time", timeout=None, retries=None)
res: 1:55
